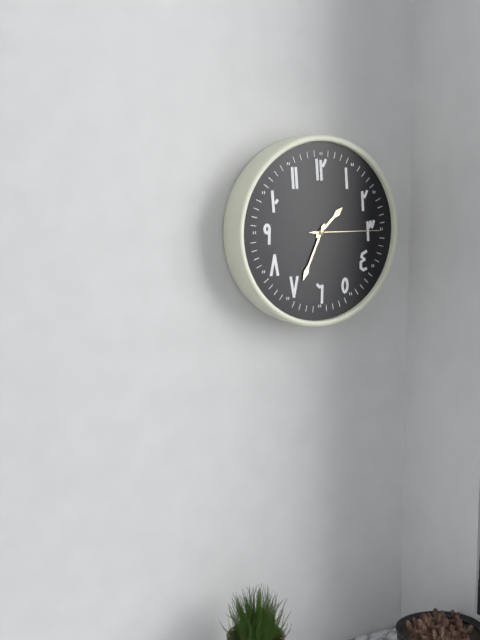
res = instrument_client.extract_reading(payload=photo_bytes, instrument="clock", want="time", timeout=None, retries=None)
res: 1:34:15
